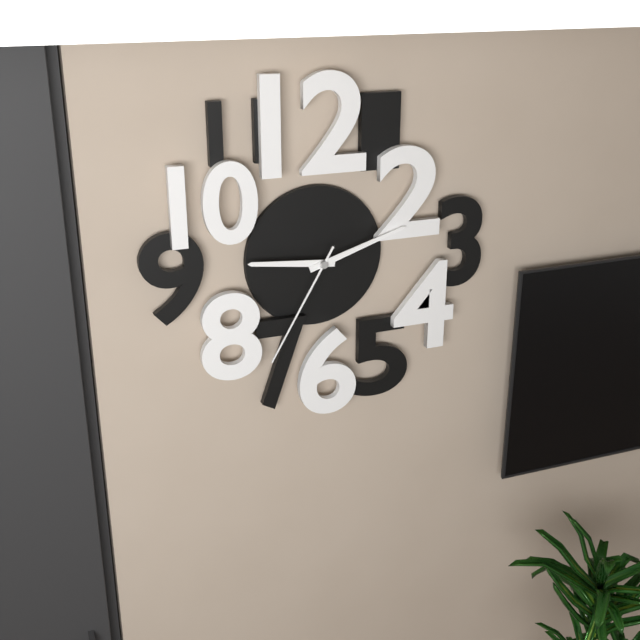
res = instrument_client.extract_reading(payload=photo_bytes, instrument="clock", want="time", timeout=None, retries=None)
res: 9:12:35
